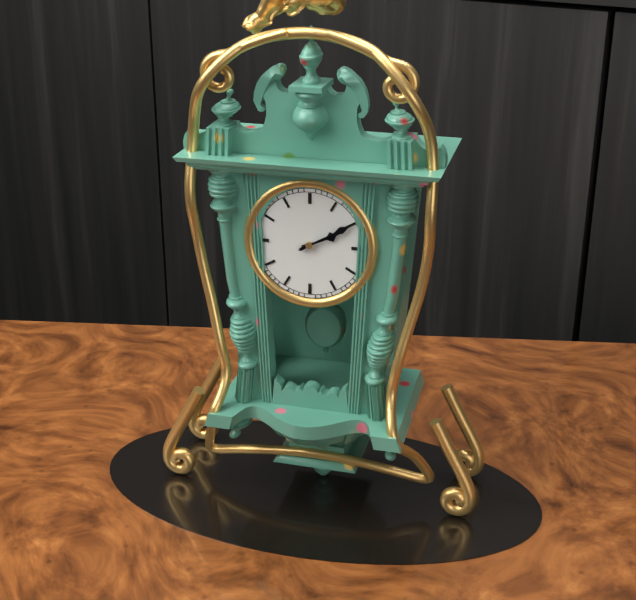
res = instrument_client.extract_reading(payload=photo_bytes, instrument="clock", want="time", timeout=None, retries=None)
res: 2:10
